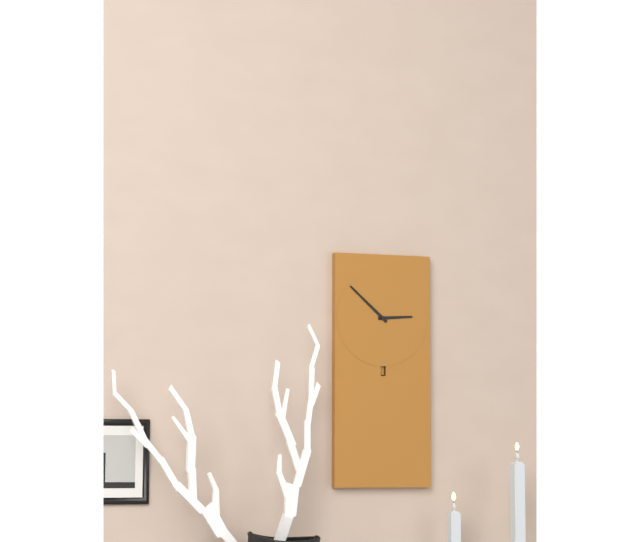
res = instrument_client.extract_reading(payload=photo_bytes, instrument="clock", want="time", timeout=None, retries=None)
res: 2:52
